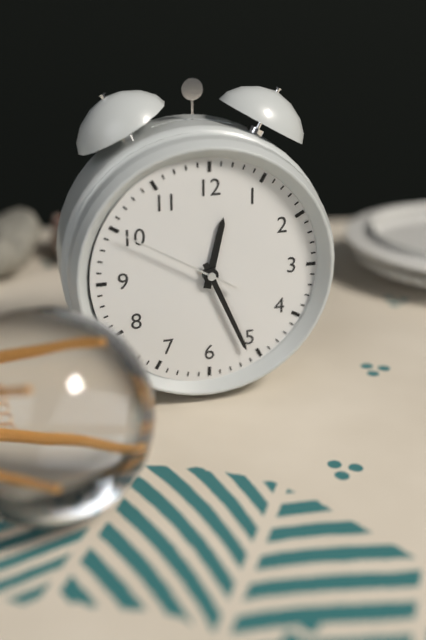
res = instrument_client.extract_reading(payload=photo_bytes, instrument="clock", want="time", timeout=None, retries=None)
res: 12:26:50
